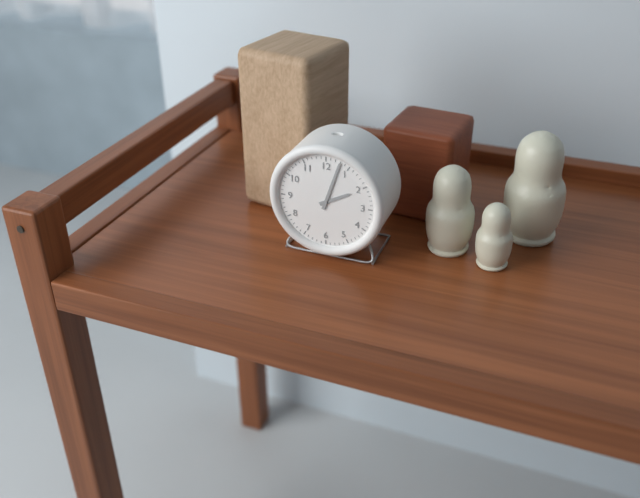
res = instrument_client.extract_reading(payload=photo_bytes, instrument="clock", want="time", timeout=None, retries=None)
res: 2:03
